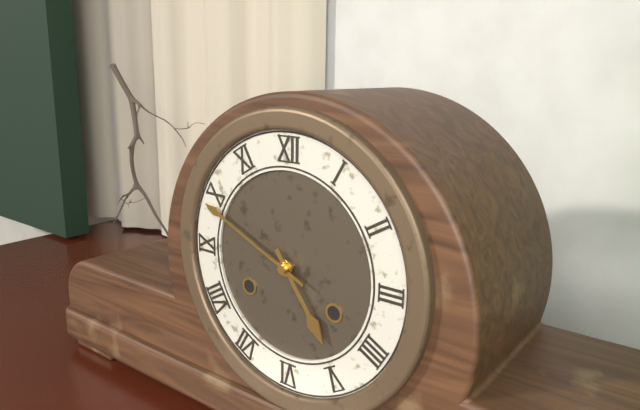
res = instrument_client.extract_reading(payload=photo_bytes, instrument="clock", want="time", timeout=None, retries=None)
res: 4:49
